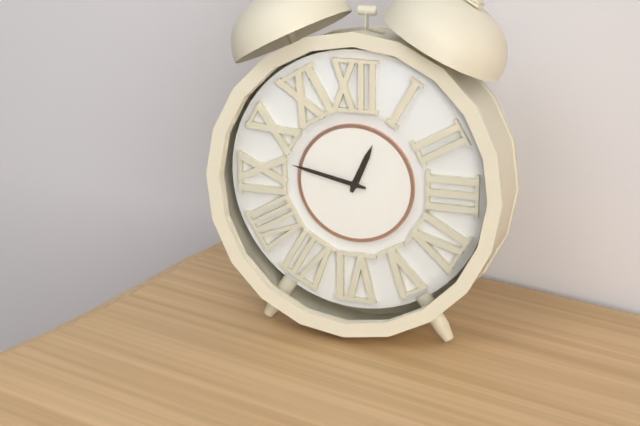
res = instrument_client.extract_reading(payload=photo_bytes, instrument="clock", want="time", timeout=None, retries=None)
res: 12:47
